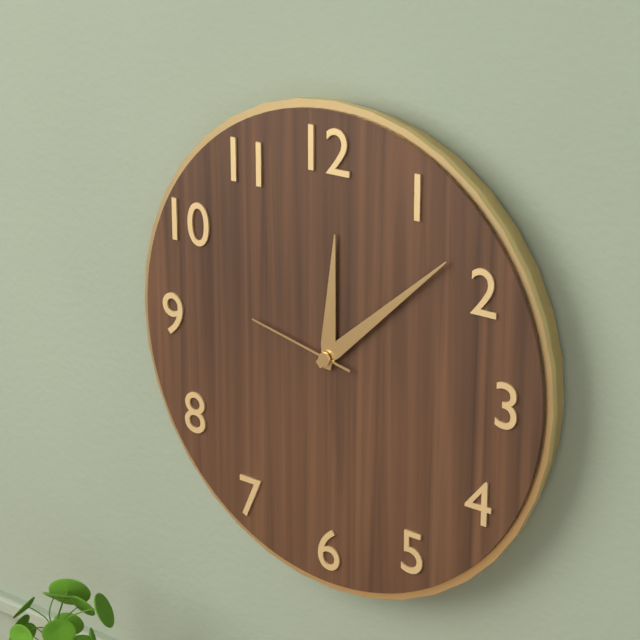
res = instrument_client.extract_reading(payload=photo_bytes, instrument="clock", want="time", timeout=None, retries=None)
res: 12:08:47
